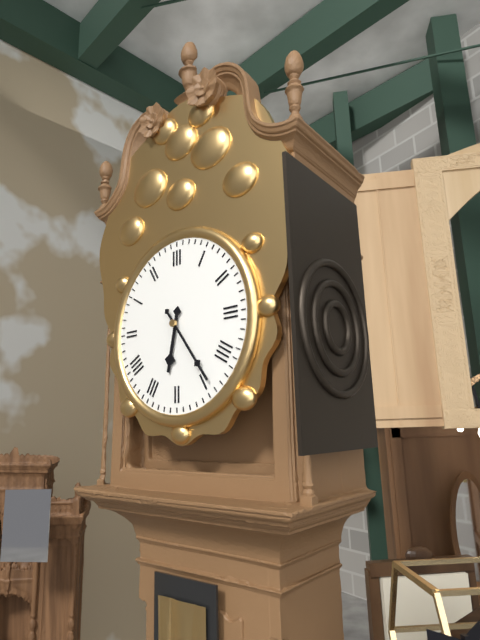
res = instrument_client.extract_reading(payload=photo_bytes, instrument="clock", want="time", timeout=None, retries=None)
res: 6:24
